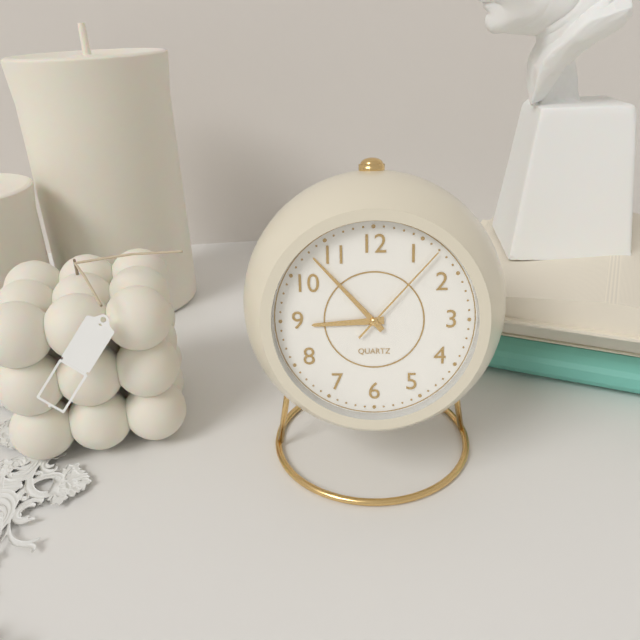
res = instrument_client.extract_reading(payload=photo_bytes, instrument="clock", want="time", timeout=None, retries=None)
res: 8:53:07
